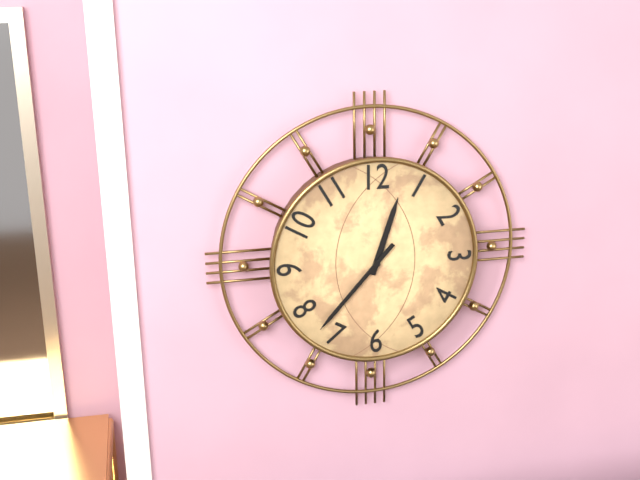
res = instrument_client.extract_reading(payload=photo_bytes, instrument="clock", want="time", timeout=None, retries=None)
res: 12:37
